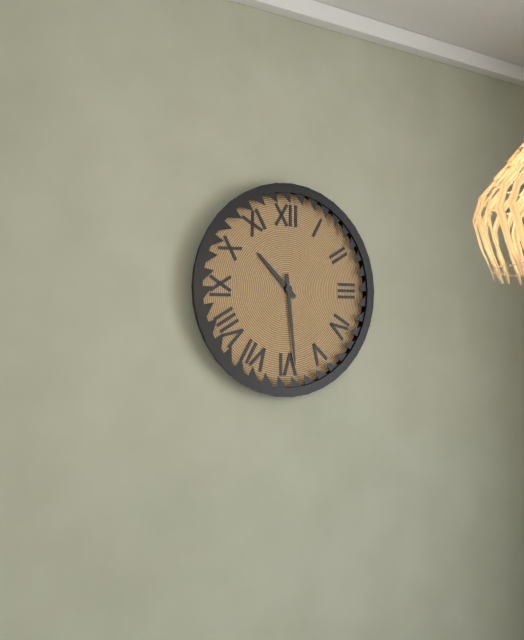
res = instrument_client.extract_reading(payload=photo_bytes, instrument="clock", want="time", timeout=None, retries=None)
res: 10:29
